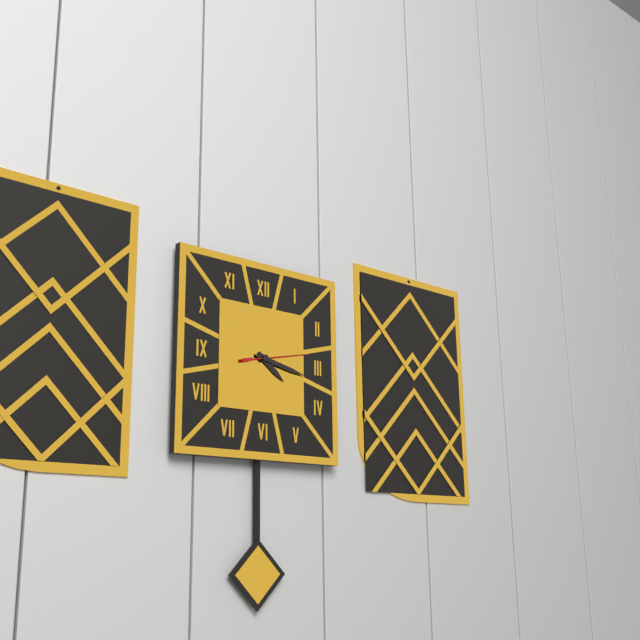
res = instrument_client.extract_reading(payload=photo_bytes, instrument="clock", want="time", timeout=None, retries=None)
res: 4:17:13
